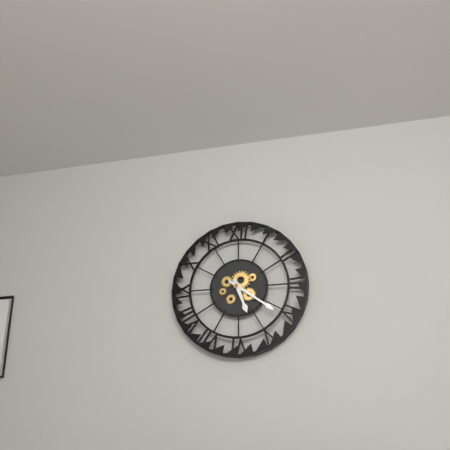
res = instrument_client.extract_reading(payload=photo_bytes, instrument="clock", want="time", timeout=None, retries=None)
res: 5:21
